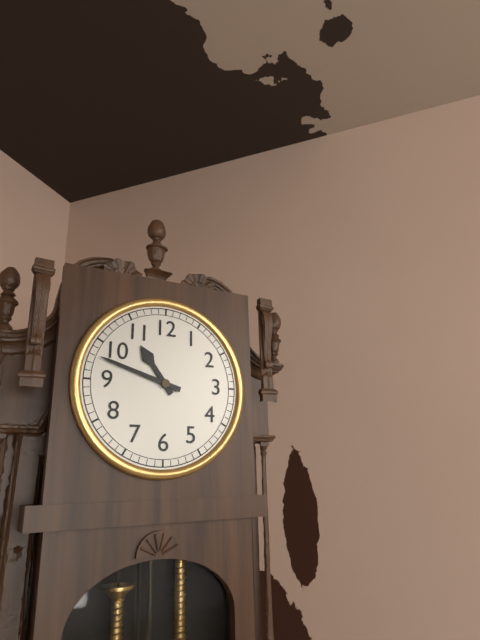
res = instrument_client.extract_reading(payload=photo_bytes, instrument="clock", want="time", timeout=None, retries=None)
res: 10:48
